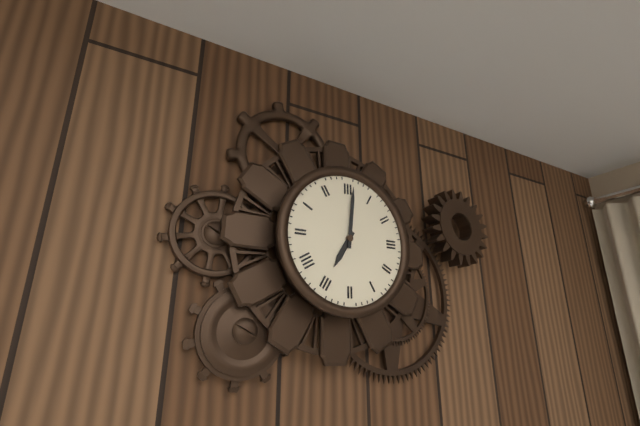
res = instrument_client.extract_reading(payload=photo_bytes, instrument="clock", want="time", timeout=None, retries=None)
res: 7:01
